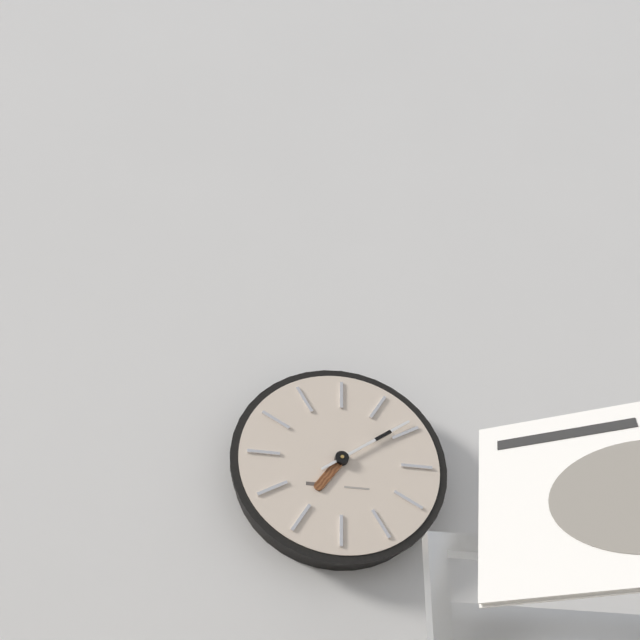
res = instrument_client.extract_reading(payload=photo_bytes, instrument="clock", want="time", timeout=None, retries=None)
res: 7:09
